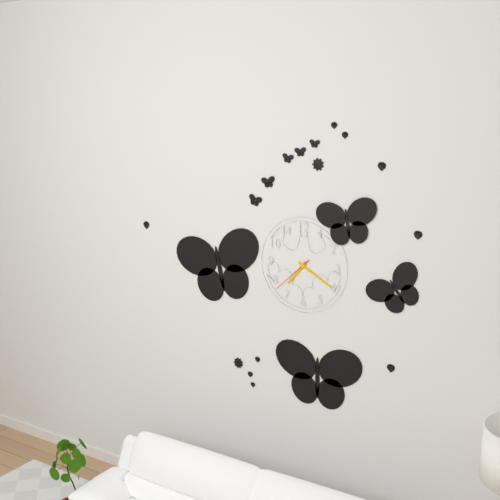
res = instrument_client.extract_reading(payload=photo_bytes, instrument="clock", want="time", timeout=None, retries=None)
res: 7:20
